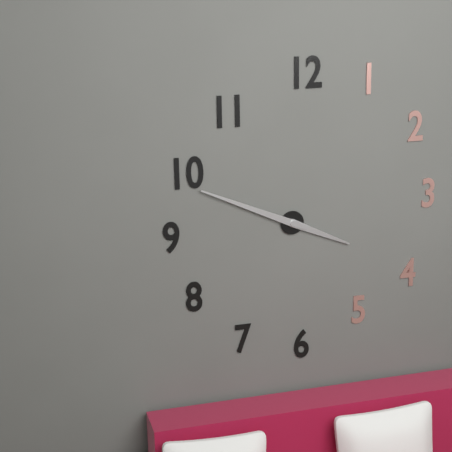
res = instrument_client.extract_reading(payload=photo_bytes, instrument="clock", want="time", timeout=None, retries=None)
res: 3:49
